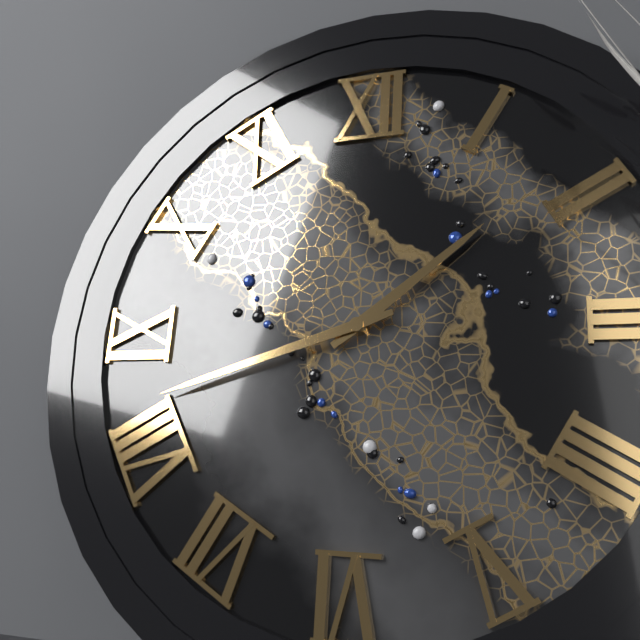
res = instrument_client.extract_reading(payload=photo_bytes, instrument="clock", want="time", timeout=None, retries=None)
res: 1:42
